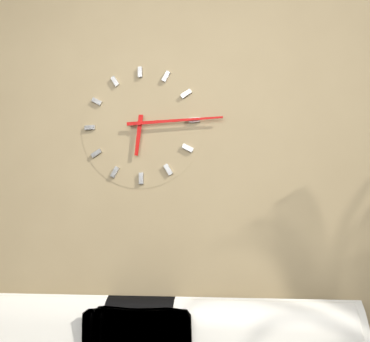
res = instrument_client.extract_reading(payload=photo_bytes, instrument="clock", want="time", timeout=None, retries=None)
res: 6:15
